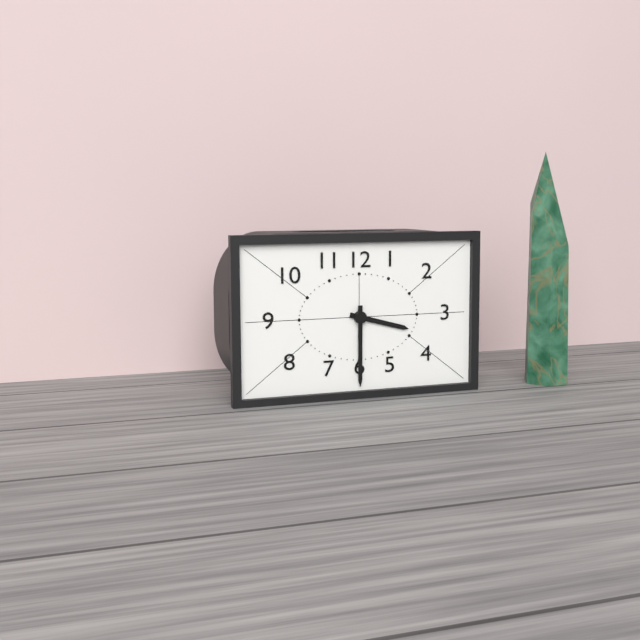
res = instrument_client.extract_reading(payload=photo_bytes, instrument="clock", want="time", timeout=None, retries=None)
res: 3:30
